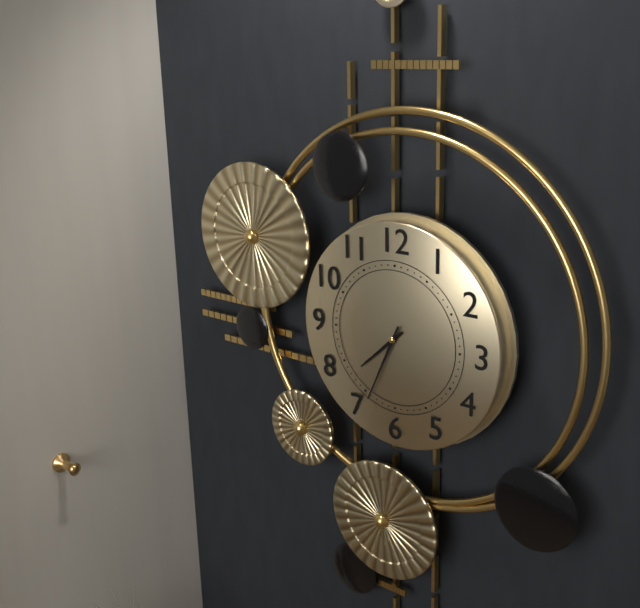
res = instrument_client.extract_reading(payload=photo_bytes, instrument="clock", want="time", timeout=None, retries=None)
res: 7:34
